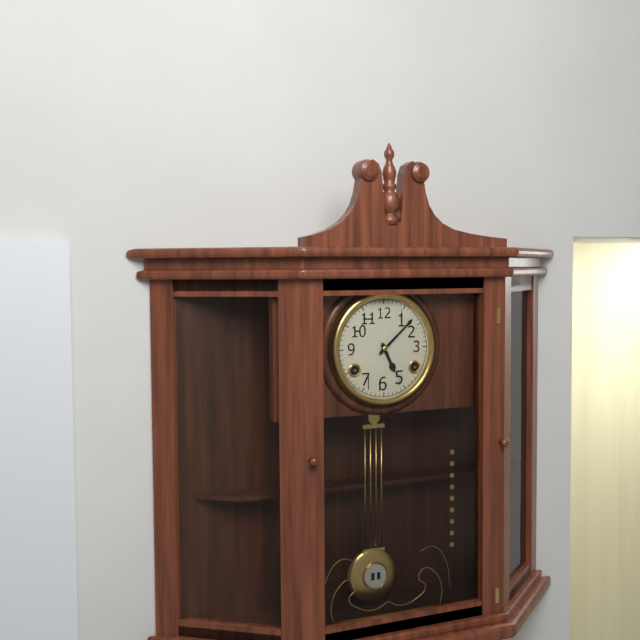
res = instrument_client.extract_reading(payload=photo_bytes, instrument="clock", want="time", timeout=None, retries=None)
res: 5:08
